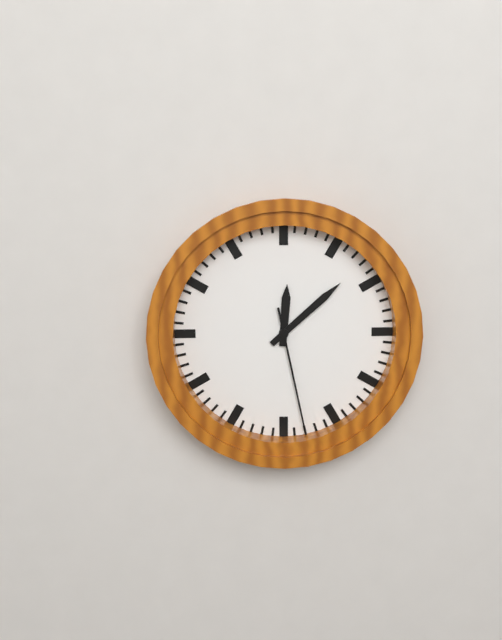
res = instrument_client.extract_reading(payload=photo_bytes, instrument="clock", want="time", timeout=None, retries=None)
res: 12:08:28
